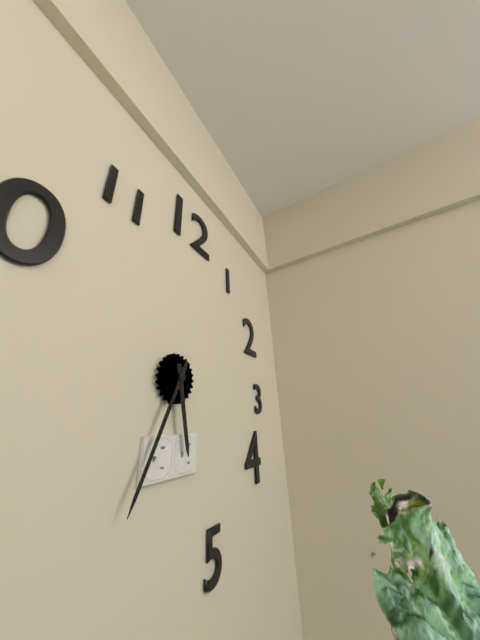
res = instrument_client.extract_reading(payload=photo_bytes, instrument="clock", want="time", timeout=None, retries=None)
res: 5:34
